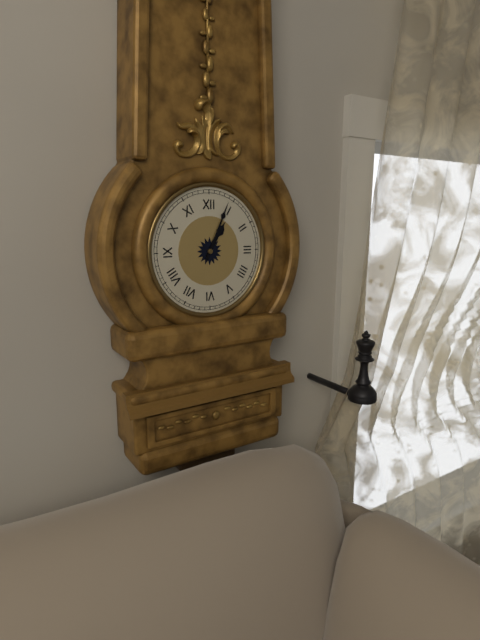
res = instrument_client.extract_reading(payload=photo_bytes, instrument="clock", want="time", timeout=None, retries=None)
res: 1:04
